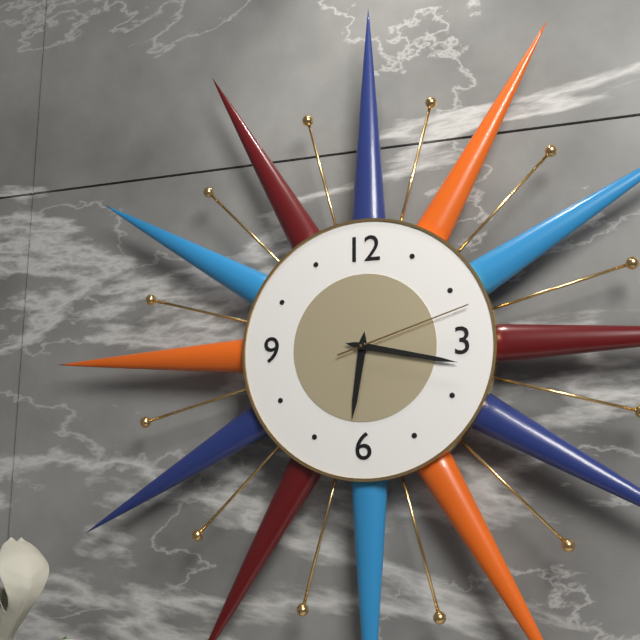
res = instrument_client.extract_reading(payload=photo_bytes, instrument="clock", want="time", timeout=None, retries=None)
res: 6:17:12
